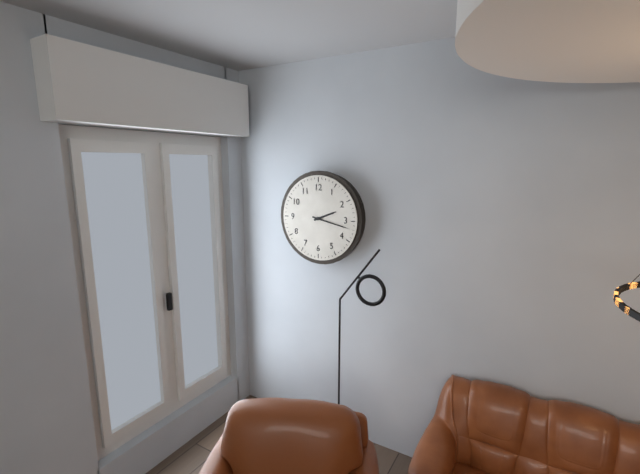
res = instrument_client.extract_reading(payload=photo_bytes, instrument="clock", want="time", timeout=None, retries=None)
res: 2:17
